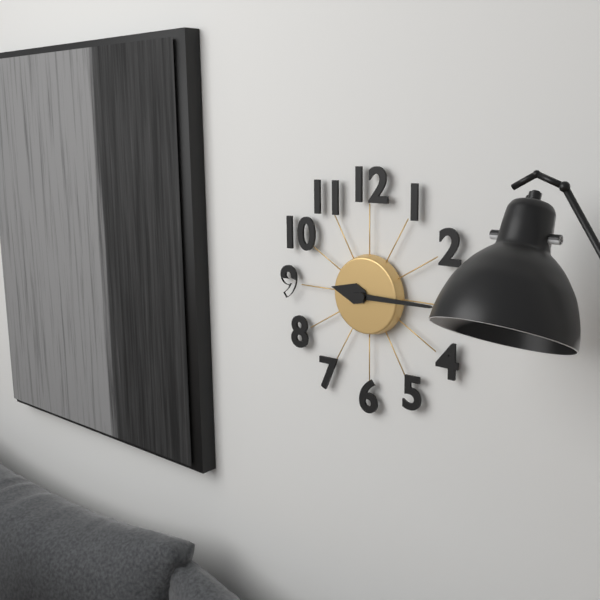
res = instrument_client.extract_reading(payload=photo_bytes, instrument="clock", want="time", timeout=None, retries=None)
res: 9:15
